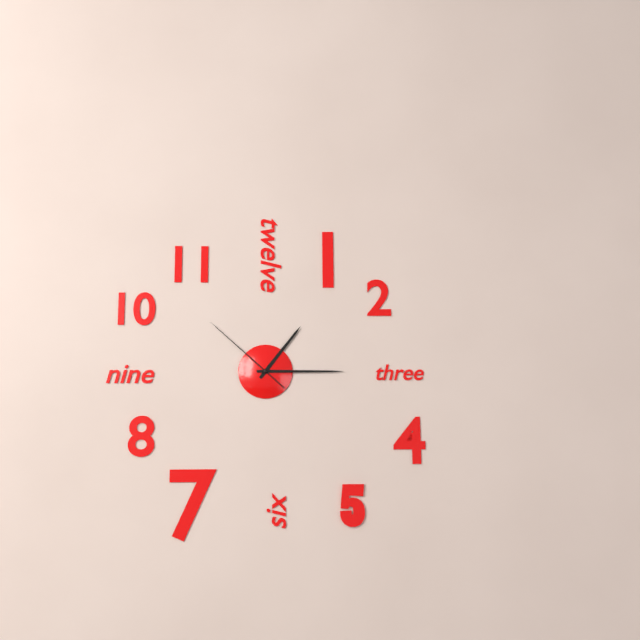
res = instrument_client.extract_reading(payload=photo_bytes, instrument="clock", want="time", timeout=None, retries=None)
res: 1:15:52
